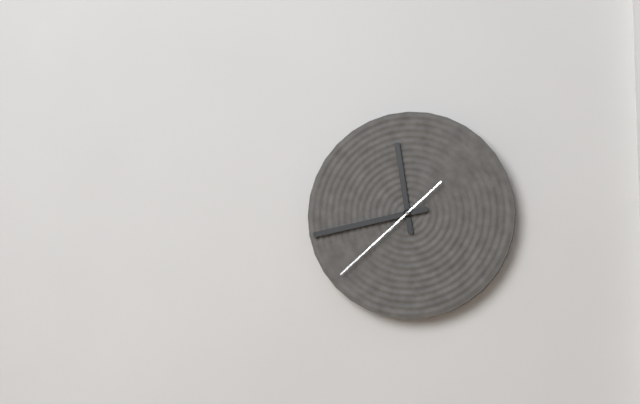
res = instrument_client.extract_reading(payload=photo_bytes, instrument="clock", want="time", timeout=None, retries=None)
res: 11:43:38
